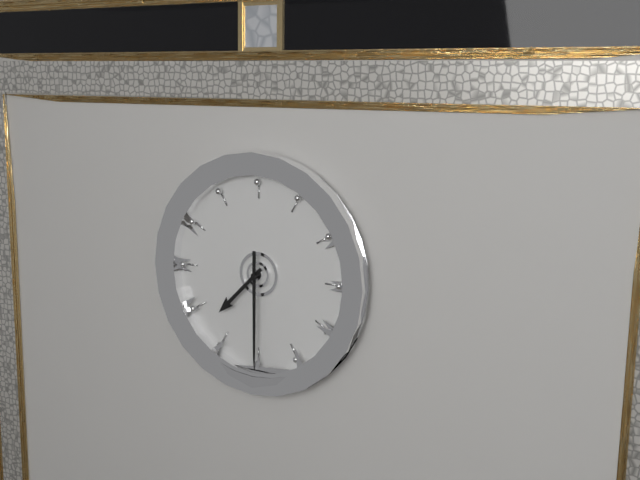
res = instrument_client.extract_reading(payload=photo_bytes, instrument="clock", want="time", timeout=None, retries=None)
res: 7:30
